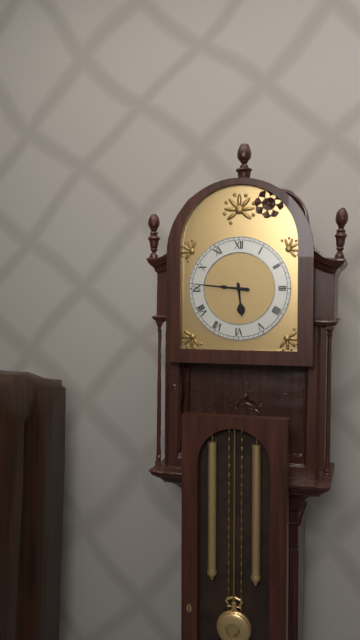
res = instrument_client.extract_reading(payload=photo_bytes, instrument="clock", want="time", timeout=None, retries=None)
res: 5:46
